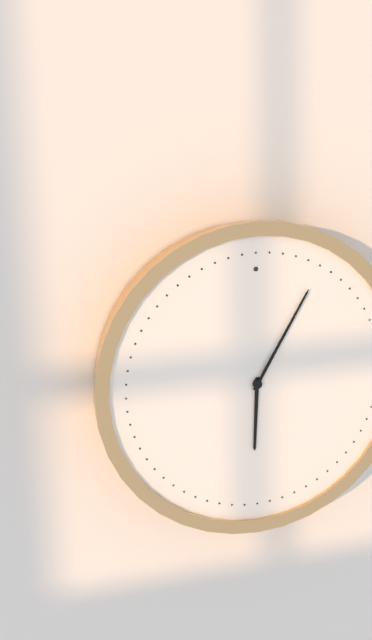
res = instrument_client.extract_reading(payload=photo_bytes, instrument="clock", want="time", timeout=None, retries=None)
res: 6:05
